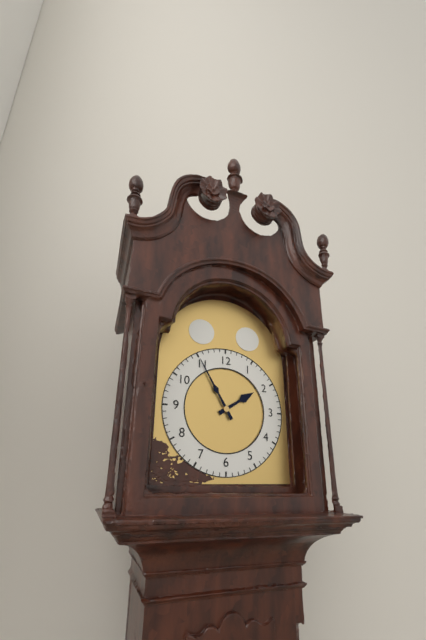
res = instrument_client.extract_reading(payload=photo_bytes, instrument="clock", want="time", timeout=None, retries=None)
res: 1:55
